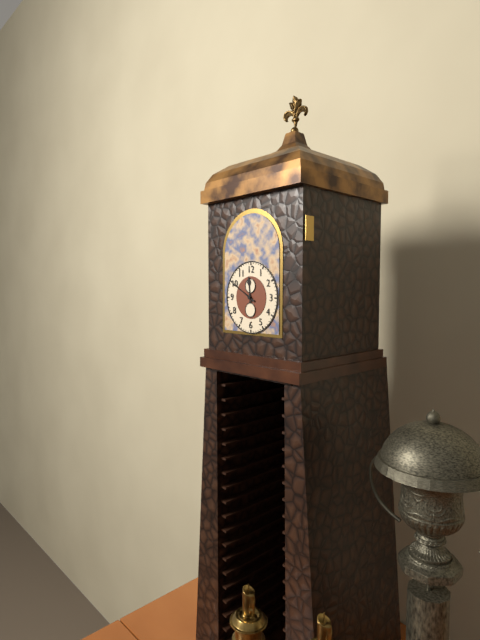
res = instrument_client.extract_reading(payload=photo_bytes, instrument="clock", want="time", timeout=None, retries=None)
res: 11:50
